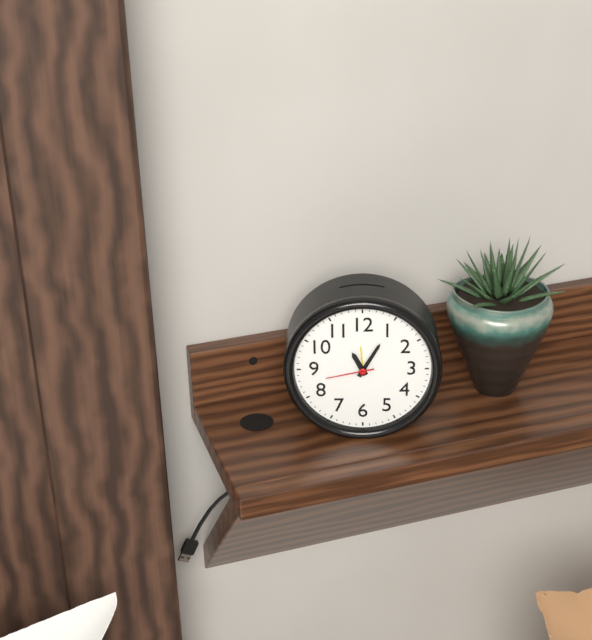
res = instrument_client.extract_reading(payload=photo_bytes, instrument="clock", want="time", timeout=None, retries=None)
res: 11:05
